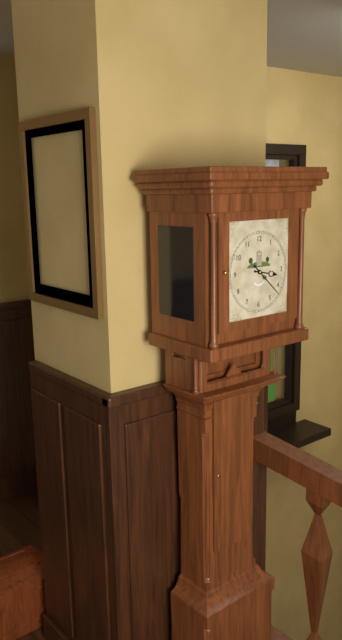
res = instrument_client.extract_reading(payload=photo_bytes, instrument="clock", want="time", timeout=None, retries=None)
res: 3:22
